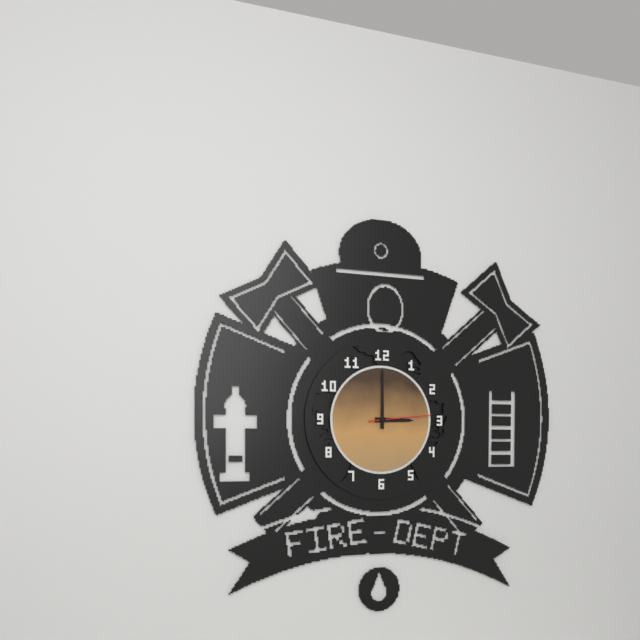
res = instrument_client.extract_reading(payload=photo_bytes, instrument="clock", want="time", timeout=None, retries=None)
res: 3:00:14
